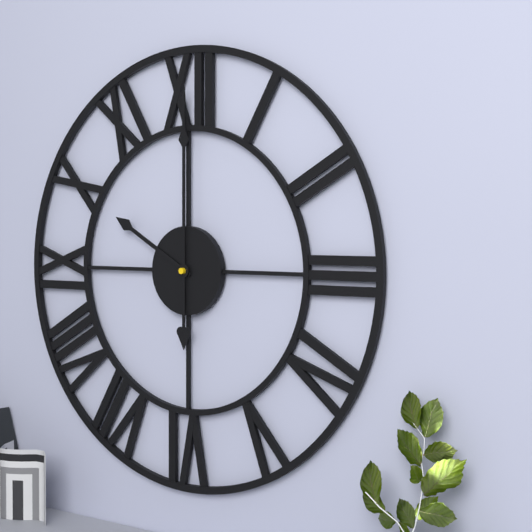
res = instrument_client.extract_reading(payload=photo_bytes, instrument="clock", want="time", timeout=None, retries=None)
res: 10:00
